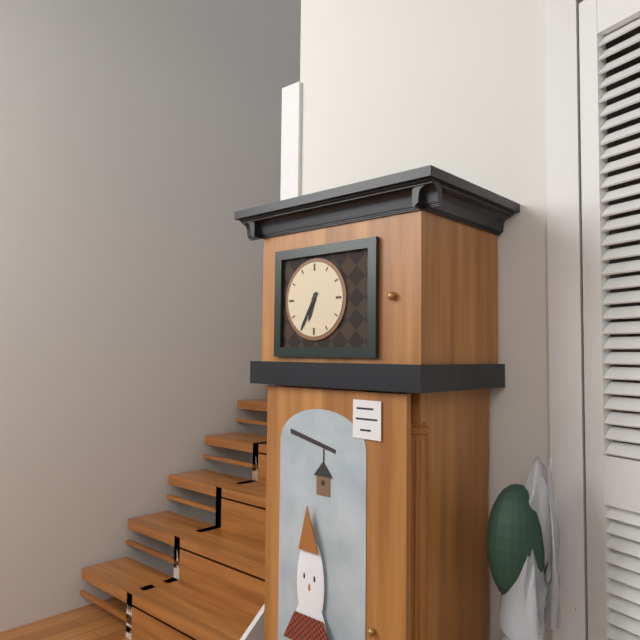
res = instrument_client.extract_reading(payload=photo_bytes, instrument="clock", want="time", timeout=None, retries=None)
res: 6:35
